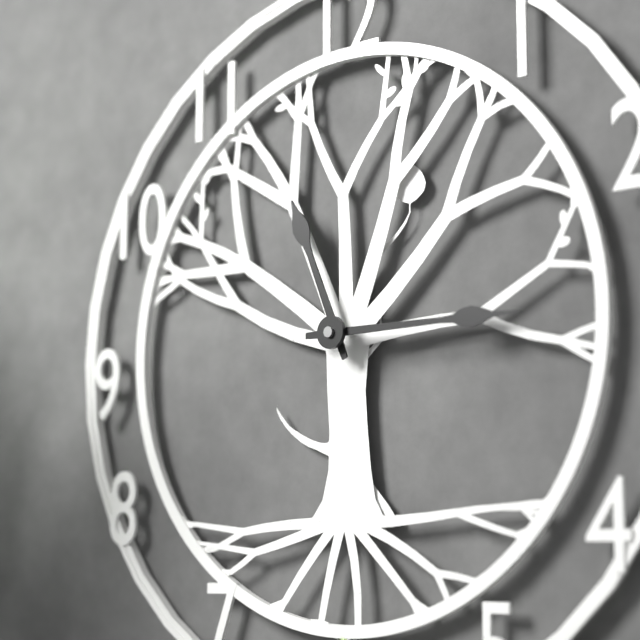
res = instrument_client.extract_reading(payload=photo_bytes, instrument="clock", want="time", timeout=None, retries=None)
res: 11:15
